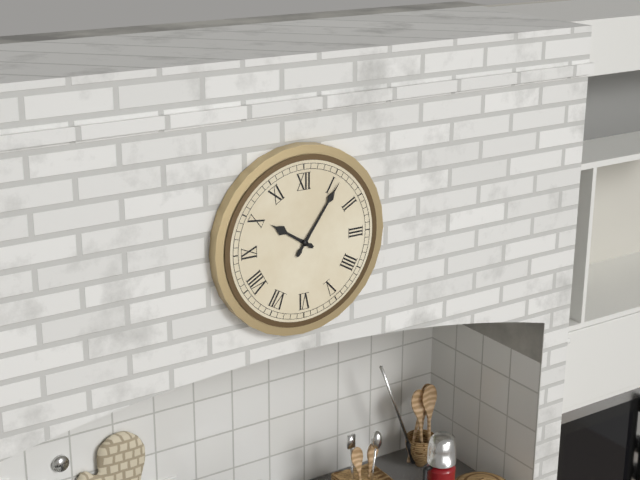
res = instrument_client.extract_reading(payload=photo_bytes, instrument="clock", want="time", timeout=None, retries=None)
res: 10:06
